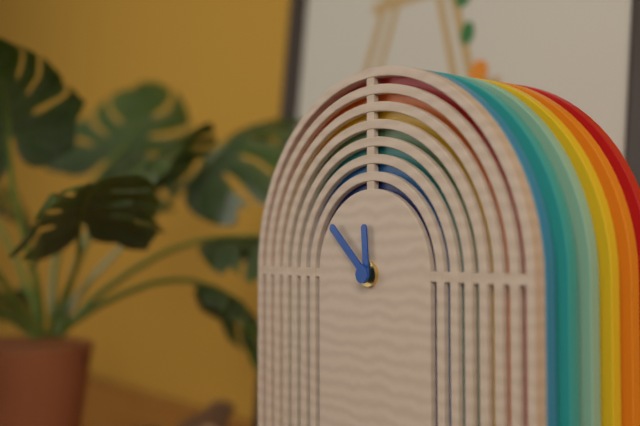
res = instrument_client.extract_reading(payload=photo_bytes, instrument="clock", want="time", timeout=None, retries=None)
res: 11:52
